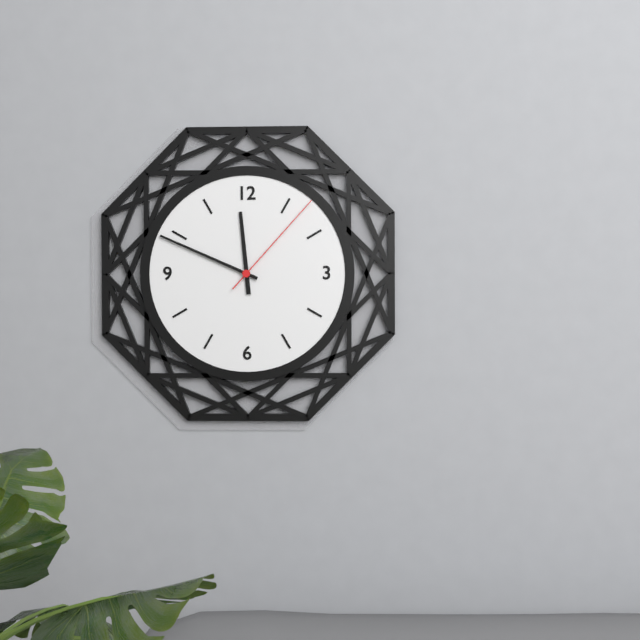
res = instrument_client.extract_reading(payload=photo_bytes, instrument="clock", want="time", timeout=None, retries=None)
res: 11:49:07
